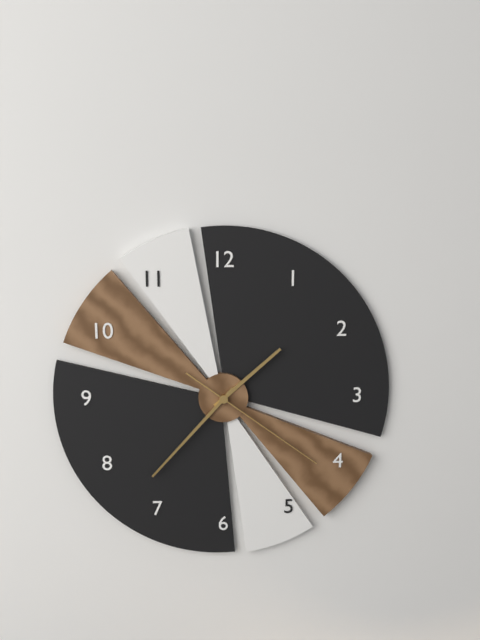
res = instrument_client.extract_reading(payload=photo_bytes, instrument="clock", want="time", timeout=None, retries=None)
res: 1:37:21
